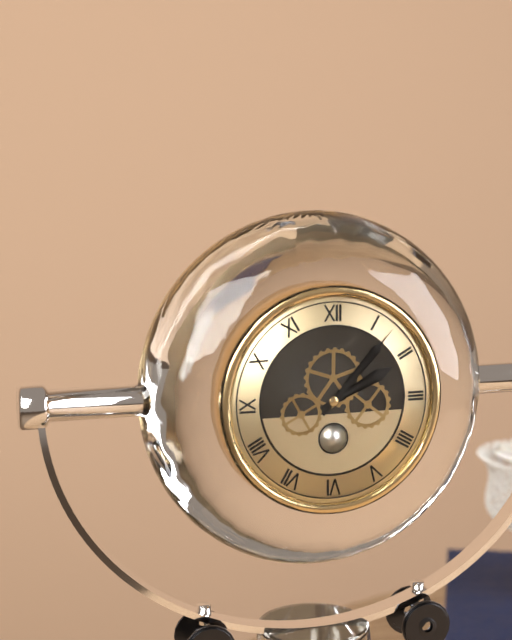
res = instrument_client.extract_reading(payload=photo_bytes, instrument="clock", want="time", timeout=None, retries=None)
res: 2:07
